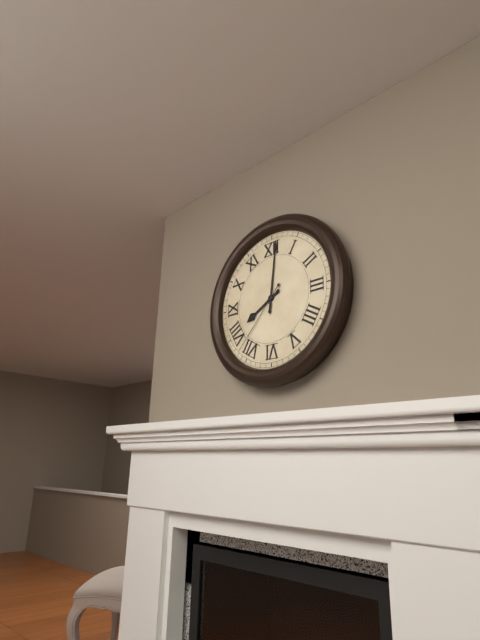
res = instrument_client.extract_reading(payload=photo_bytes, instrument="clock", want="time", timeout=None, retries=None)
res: 8:01:37
